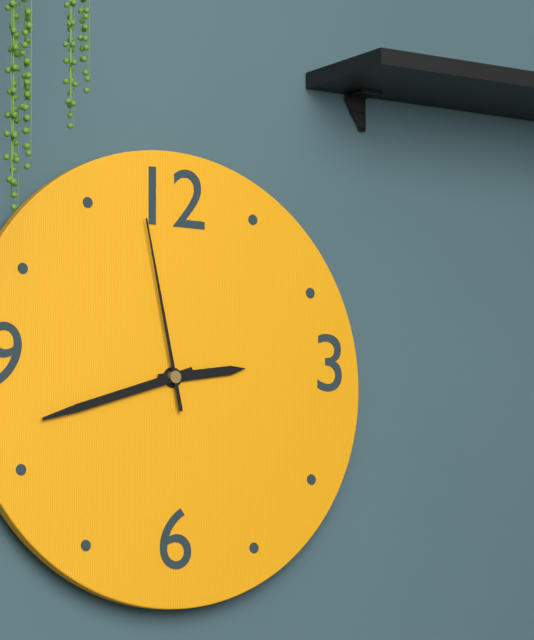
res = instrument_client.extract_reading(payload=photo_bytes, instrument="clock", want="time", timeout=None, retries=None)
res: 2:42:58
